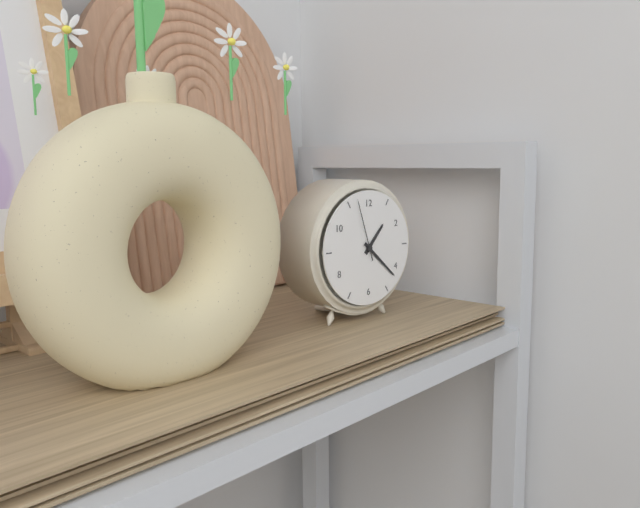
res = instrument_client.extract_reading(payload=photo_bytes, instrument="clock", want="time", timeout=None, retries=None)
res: 1:22:57
